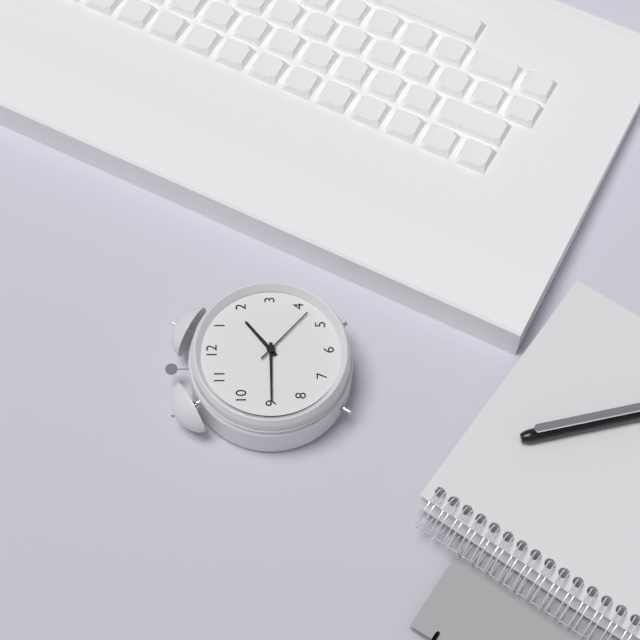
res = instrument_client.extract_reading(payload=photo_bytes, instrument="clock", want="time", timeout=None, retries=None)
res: 1:45:22
